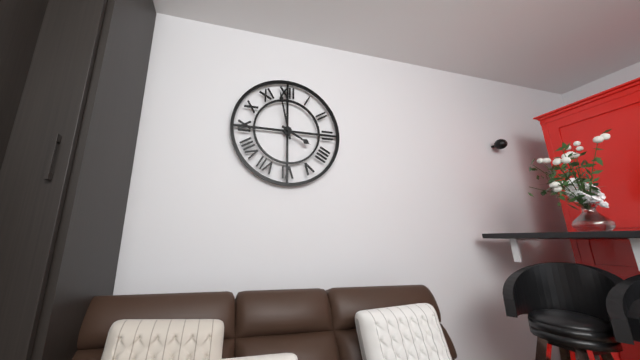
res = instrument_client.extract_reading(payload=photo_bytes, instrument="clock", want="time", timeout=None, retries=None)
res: 3:58
